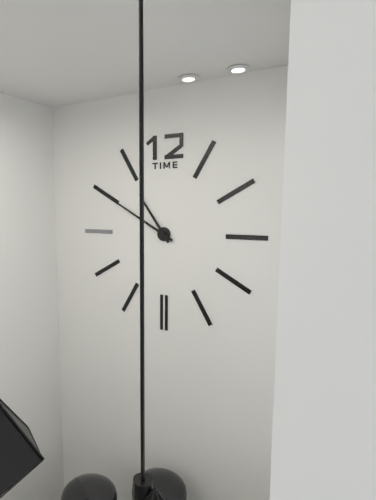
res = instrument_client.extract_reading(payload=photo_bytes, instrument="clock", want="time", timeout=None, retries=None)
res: 10:50
